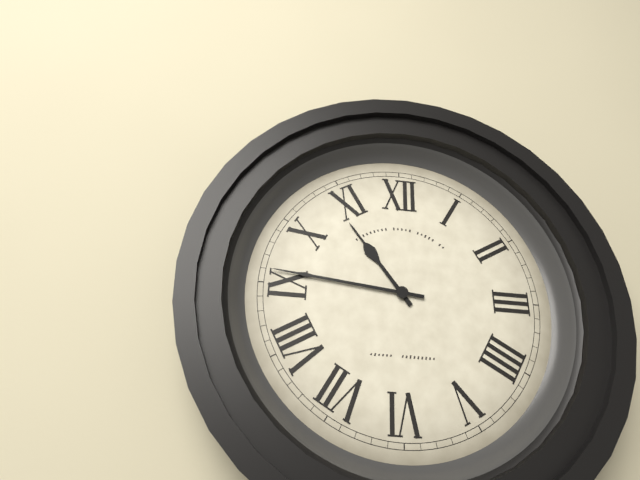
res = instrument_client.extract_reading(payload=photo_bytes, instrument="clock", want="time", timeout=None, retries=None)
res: 10:46
